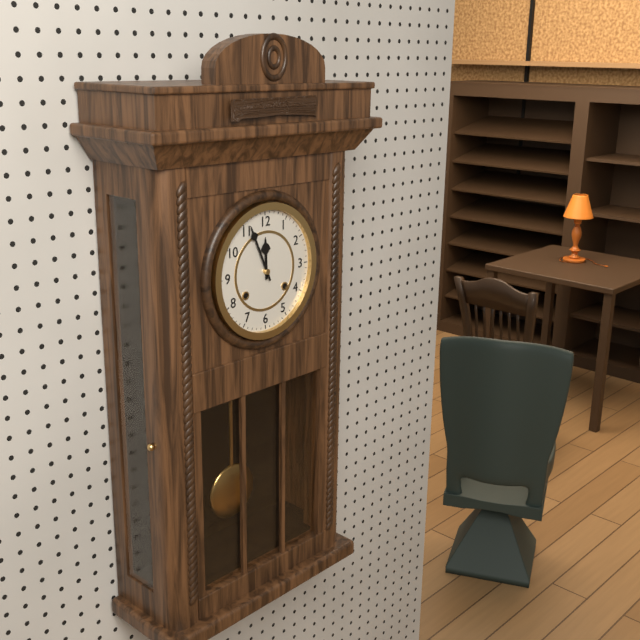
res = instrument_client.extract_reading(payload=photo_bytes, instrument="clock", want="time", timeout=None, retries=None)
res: 11:56
